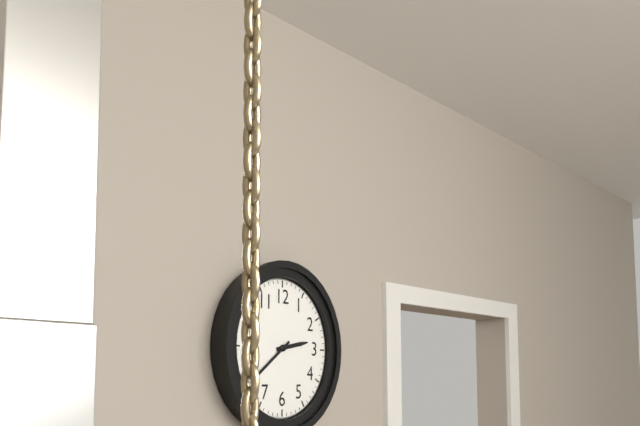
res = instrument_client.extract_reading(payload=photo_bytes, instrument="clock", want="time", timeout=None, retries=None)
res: 2:39
